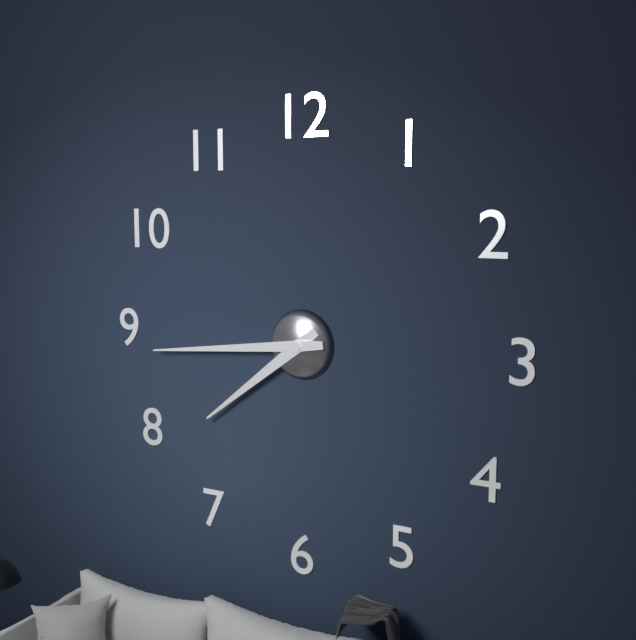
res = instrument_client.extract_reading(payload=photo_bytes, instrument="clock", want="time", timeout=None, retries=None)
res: 7:44
